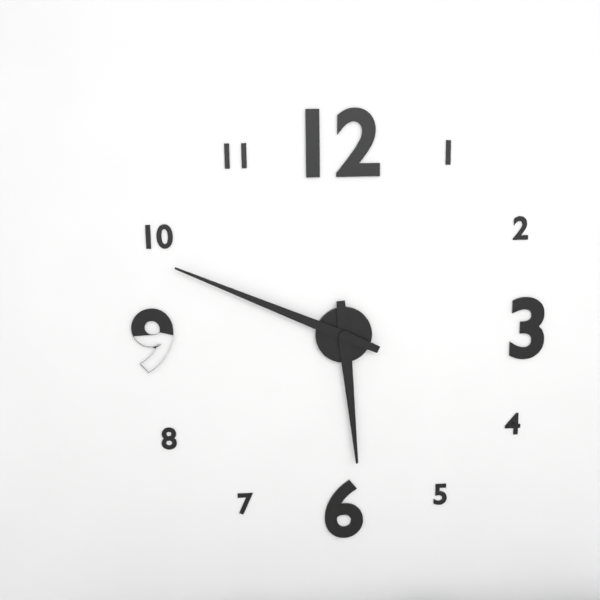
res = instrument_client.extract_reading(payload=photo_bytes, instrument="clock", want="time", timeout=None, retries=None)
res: 5:49
